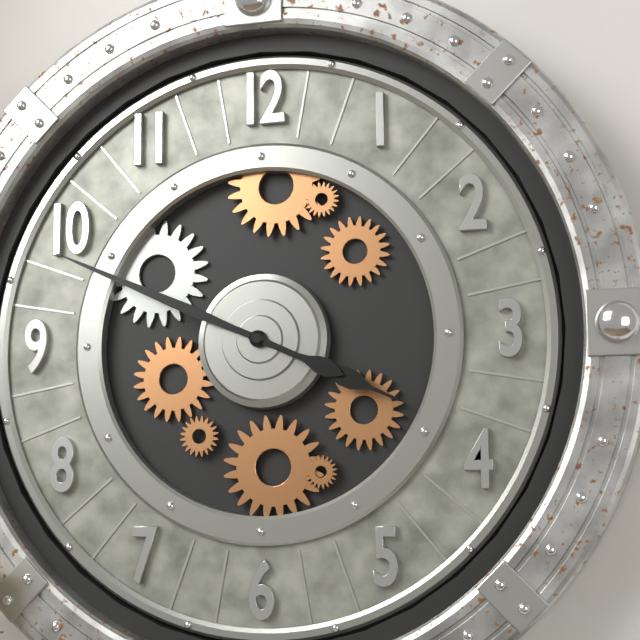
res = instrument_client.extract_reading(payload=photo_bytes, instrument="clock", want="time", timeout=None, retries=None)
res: 3:49
